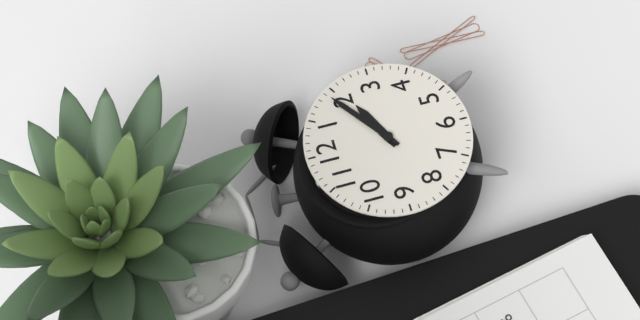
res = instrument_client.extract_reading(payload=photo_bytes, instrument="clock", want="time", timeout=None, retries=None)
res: 2:09
